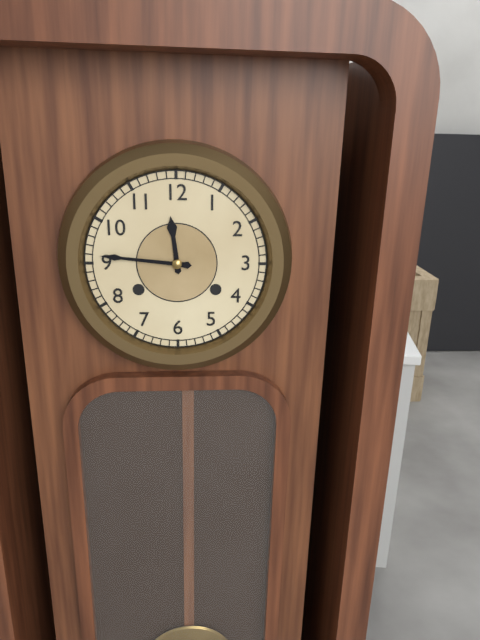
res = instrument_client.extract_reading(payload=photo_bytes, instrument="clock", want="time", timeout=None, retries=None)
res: 11:46
